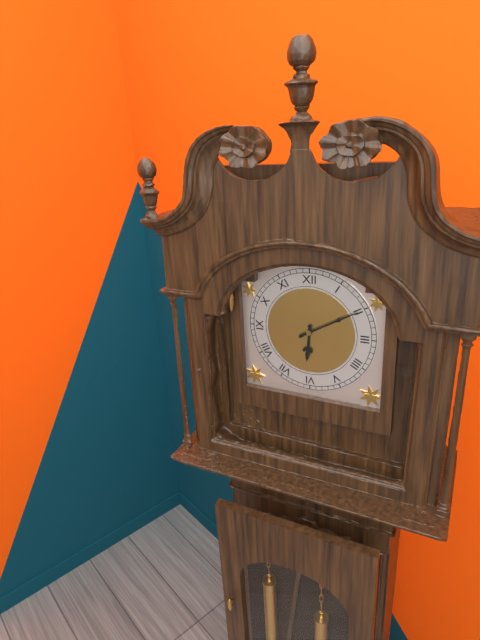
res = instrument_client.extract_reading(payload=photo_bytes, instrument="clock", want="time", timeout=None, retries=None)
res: 6:10
